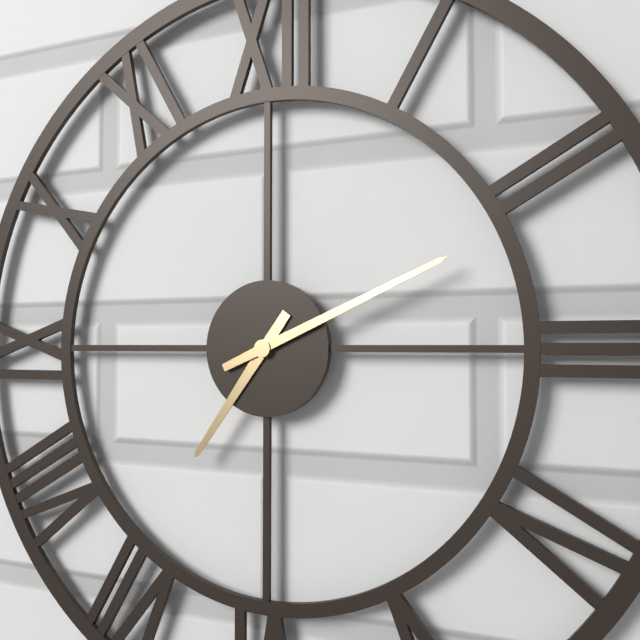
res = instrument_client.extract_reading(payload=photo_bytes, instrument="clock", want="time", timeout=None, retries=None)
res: 7:11
